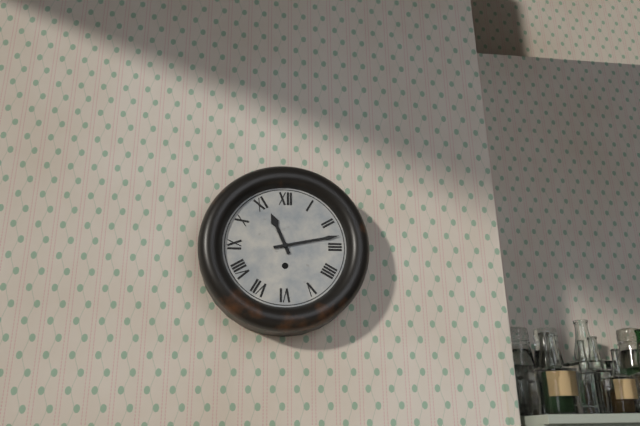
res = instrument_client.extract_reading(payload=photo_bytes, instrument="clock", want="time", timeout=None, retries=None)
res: 11:13
